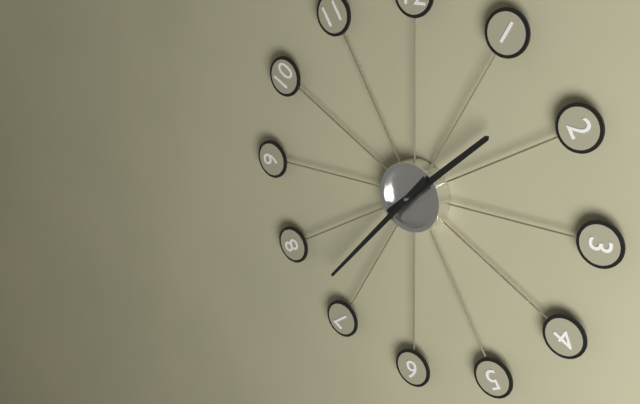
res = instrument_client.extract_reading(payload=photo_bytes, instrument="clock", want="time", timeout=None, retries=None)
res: 1:37
